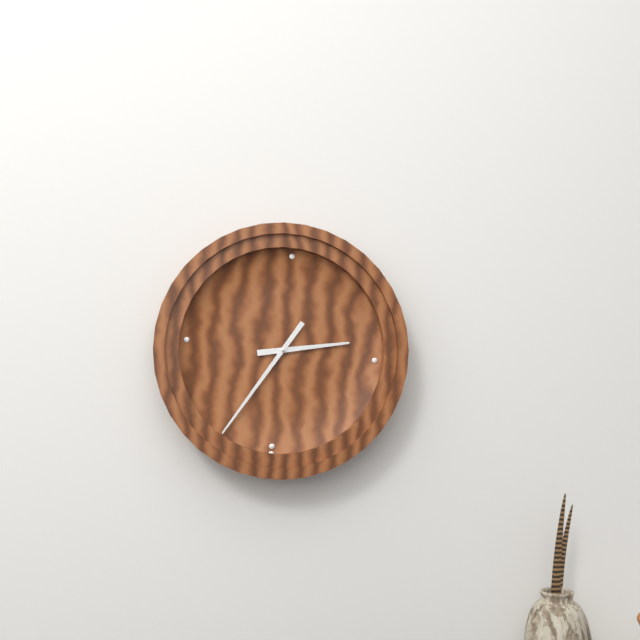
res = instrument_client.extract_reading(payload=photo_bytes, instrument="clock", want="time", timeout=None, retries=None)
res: 2:35
